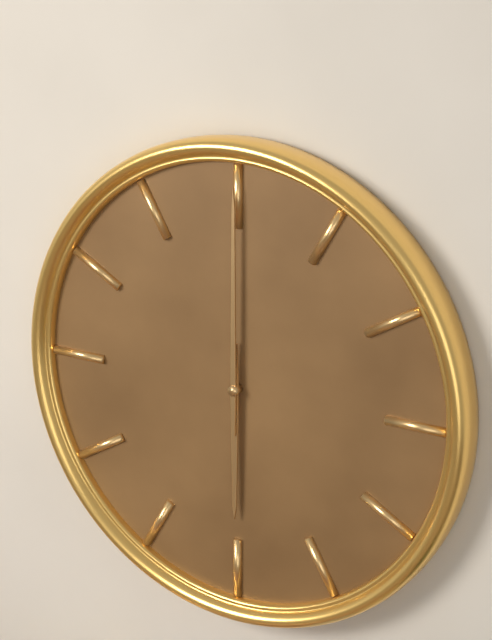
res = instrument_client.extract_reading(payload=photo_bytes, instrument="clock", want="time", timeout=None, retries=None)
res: 6:00
